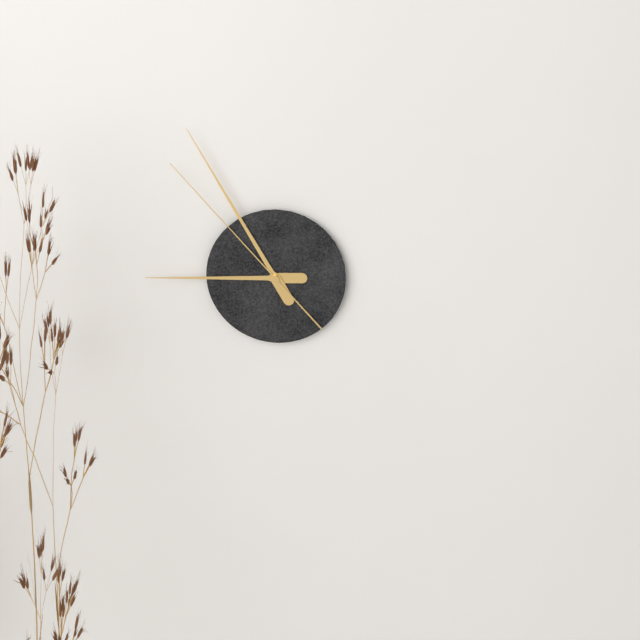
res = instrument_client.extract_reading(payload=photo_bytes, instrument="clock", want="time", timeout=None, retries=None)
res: 8:55:53
